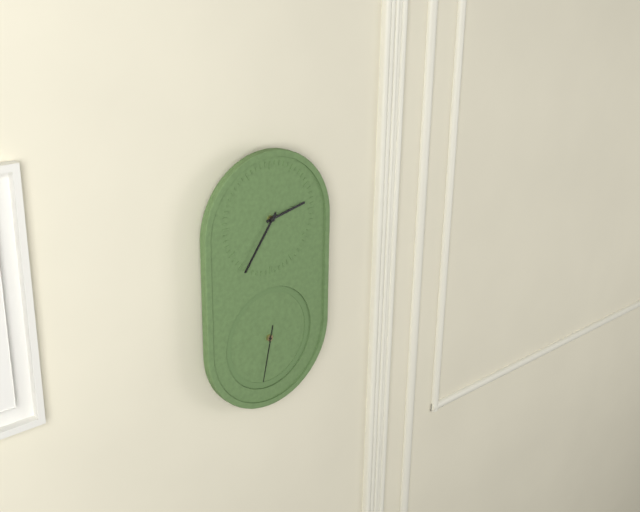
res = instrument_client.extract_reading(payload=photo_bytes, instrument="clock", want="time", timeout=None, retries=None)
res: 2:36:32
